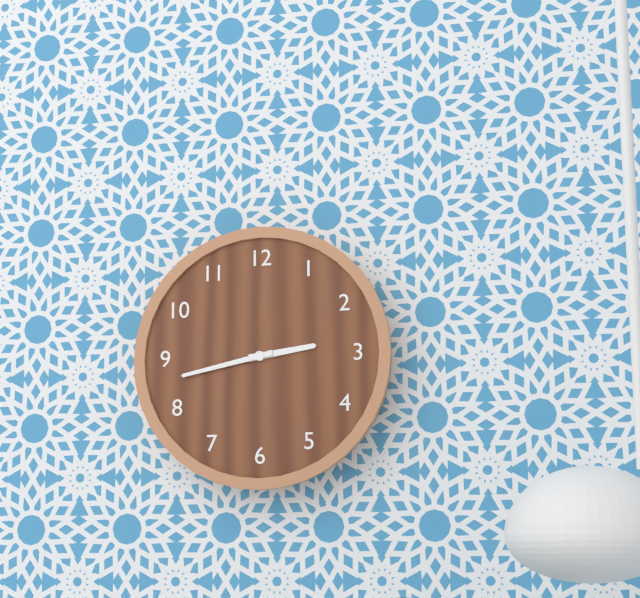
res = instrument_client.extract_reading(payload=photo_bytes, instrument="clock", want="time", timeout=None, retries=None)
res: 2:43
